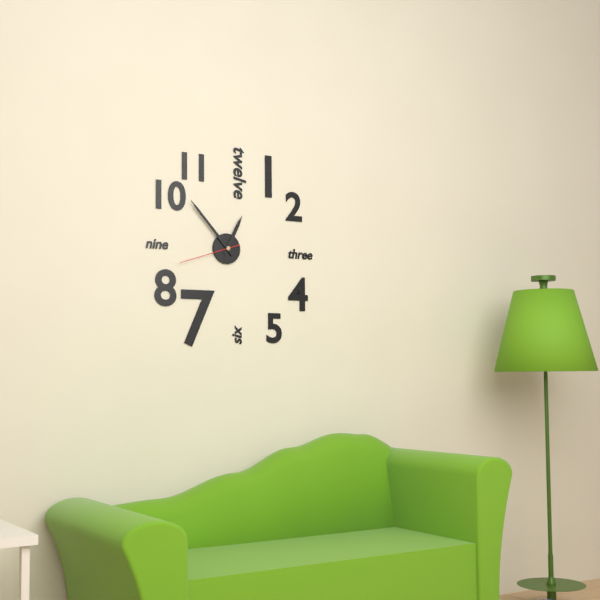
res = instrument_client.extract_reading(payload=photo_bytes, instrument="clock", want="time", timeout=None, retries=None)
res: 12:53:42
